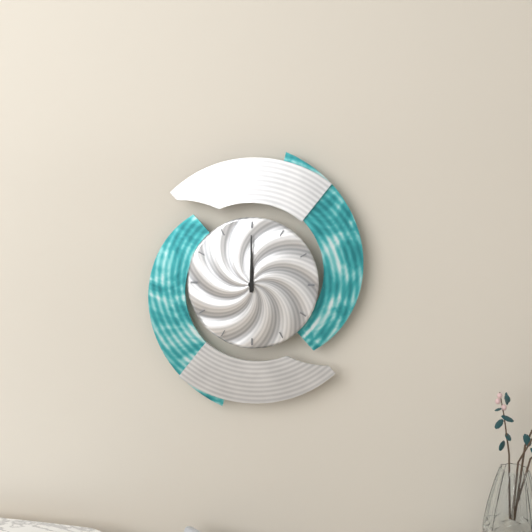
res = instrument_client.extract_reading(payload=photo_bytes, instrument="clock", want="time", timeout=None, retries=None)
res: 12:00
